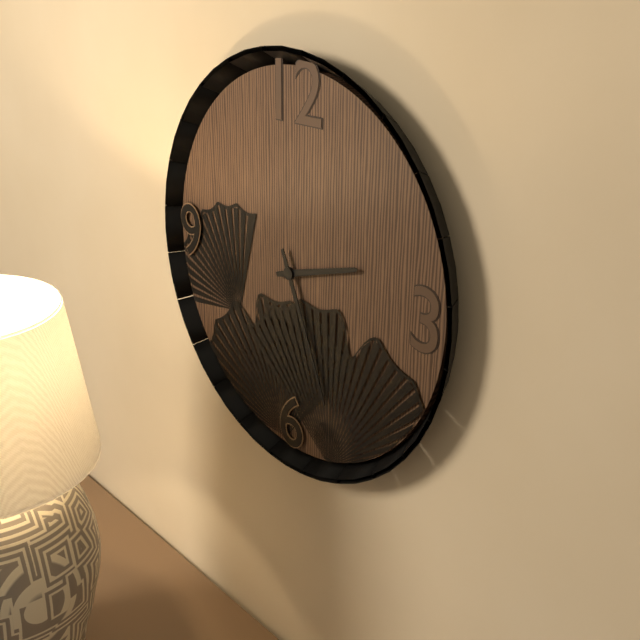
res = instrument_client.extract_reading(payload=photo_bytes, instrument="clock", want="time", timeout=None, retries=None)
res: 2:26
